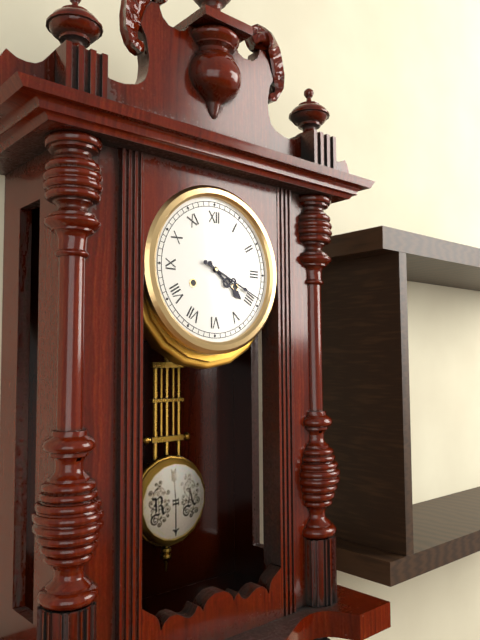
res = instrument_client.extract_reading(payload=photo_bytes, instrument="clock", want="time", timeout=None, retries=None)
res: 4:19
